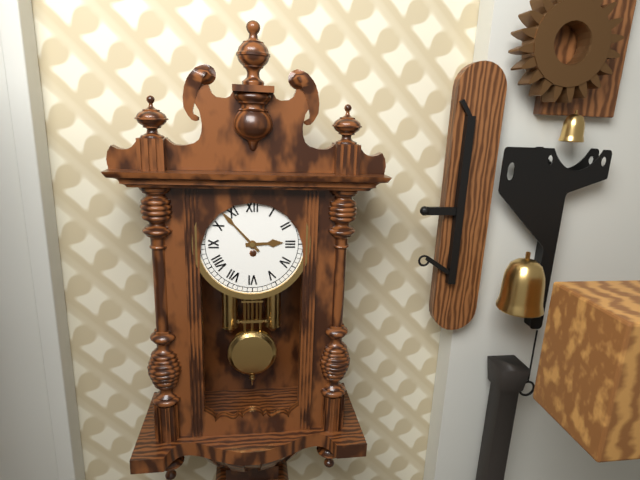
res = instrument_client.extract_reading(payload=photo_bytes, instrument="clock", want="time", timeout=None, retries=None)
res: 2:53
